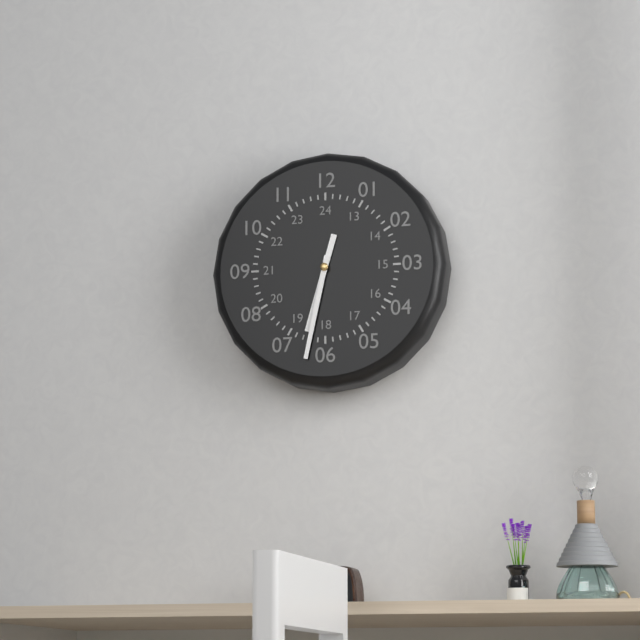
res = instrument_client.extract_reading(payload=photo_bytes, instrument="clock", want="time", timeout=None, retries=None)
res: 6:32
